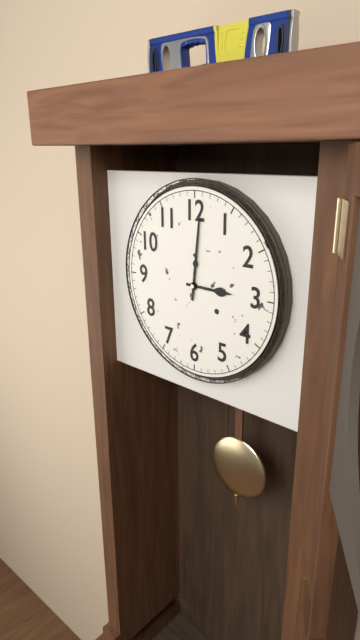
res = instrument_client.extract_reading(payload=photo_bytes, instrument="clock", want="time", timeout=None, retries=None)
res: 3:01
